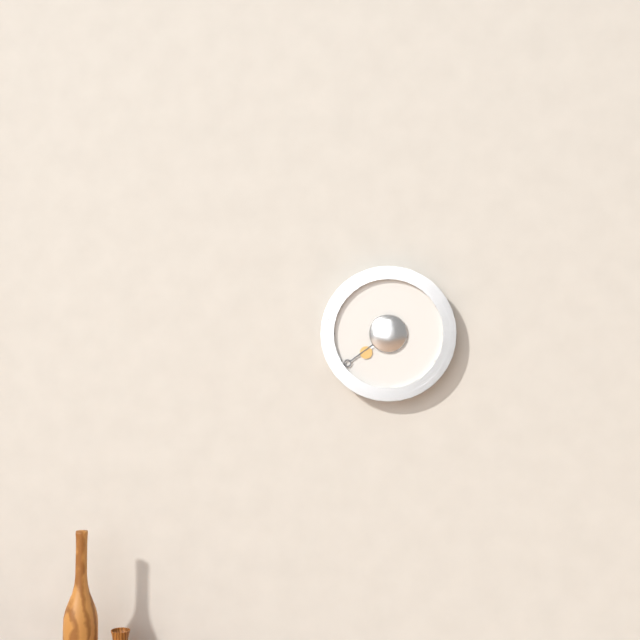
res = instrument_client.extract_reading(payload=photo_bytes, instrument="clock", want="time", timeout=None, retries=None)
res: 7:39
